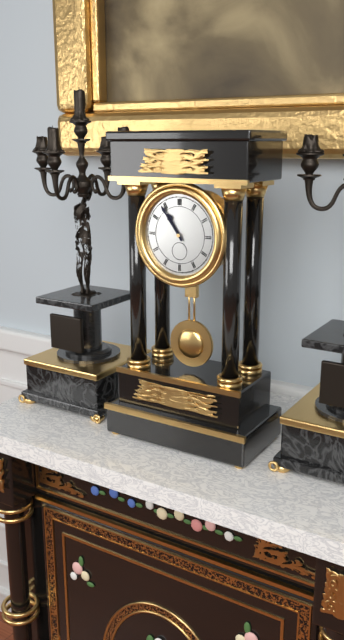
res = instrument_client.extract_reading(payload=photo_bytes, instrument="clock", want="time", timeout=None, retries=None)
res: 10:54
